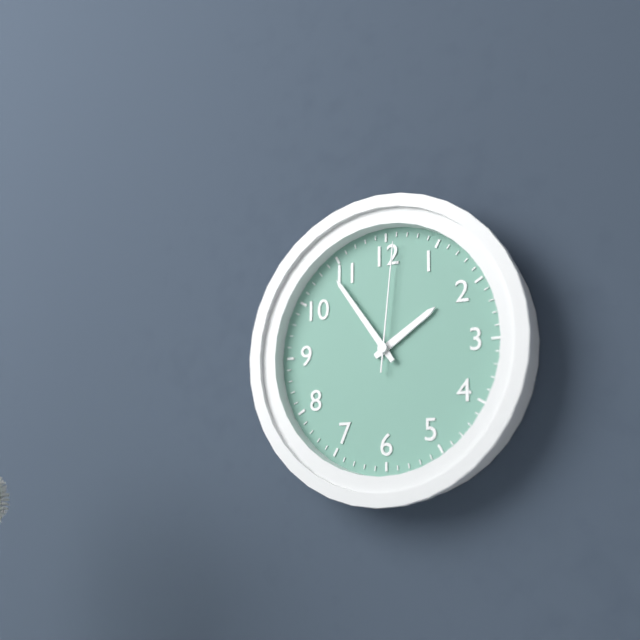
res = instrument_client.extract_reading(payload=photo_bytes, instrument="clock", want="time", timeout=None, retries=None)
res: 1:54:01
